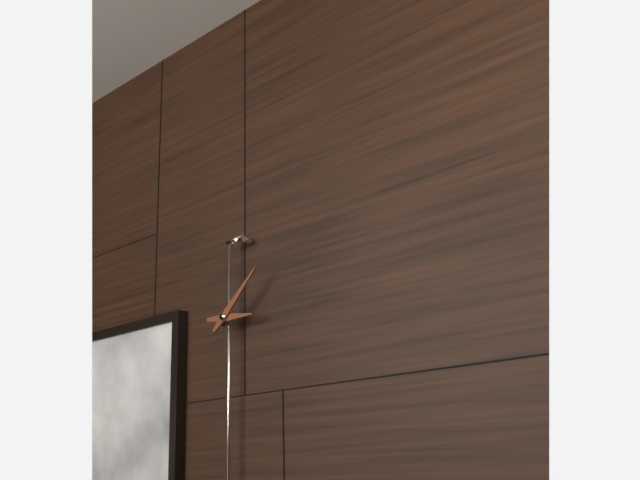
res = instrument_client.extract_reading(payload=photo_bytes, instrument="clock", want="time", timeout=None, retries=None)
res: 3:08
